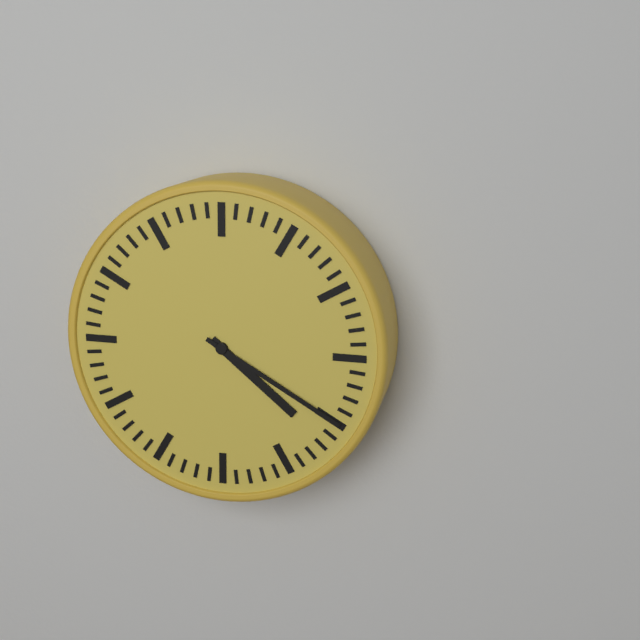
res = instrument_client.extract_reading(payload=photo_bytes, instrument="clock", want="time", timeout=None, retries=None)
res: 4:20
